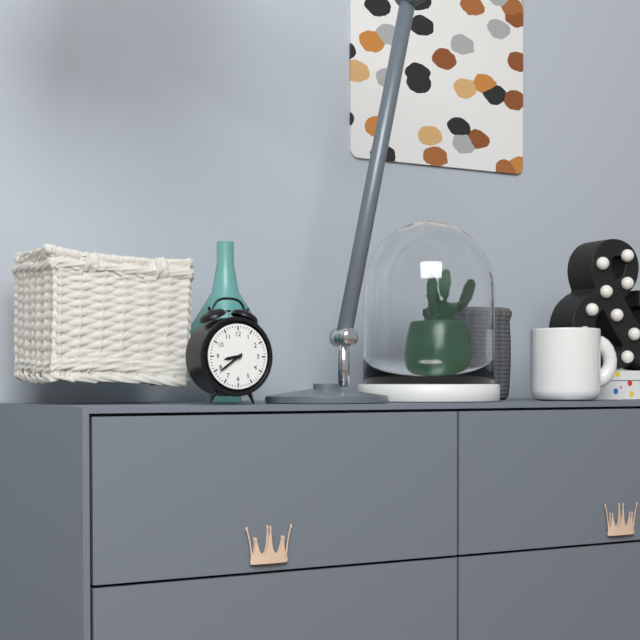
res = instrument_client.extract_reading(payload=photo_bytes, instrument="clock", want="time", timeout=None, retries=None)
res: 8:39
